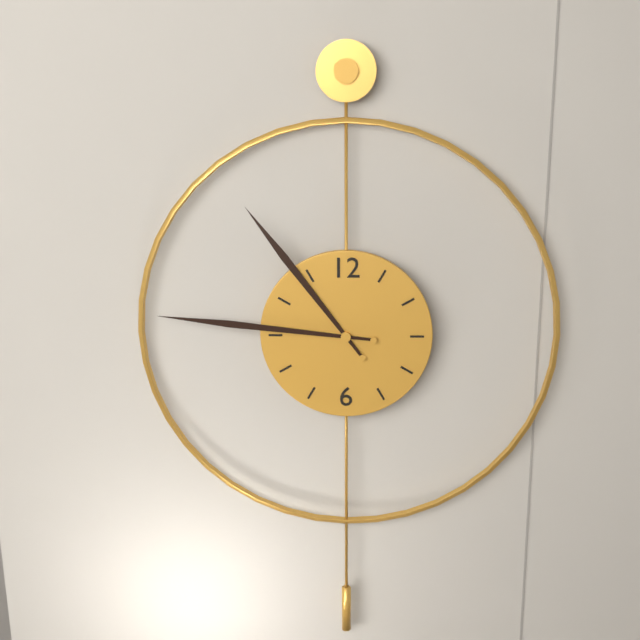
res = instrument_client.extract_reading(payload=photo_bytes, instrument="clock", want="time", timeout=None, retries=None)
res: 10:46
